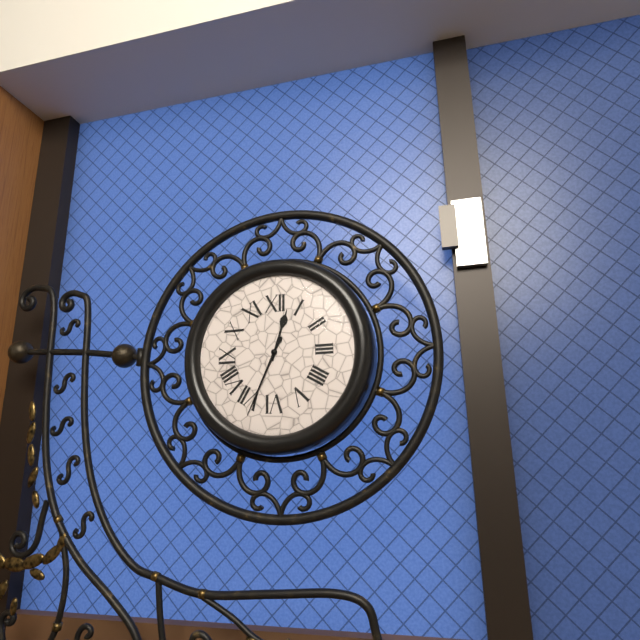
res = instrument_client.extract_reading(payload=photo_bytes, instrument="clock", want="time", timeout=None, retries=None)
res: 12:34
